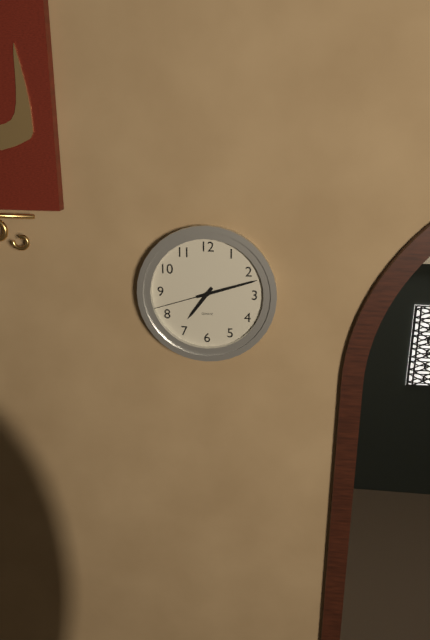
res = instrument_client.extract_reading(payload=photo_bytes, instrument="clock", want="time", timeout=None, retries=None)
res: 7:12:42
